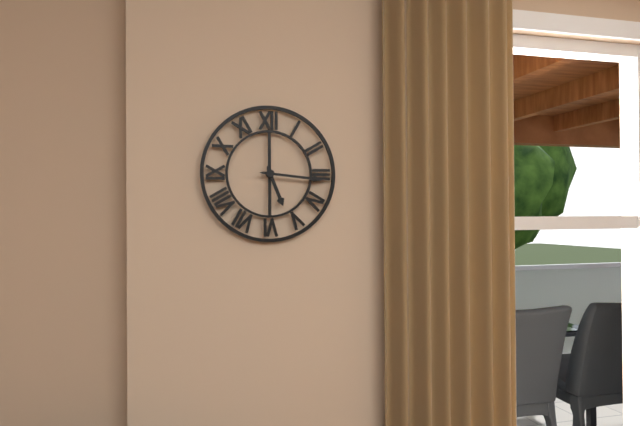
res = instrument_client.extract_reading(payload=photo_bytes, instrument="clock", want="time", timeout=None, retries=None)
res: 5:16
